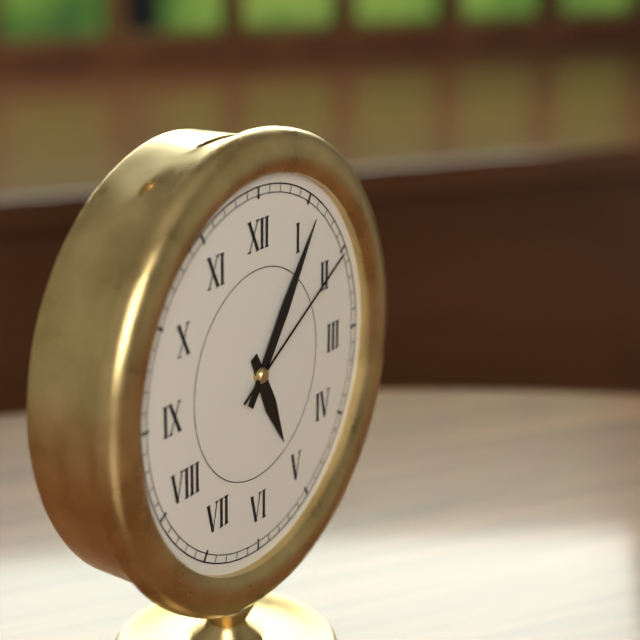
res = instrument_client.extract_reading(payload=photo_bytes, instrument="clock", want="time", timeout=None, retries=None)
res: 5:06:10
